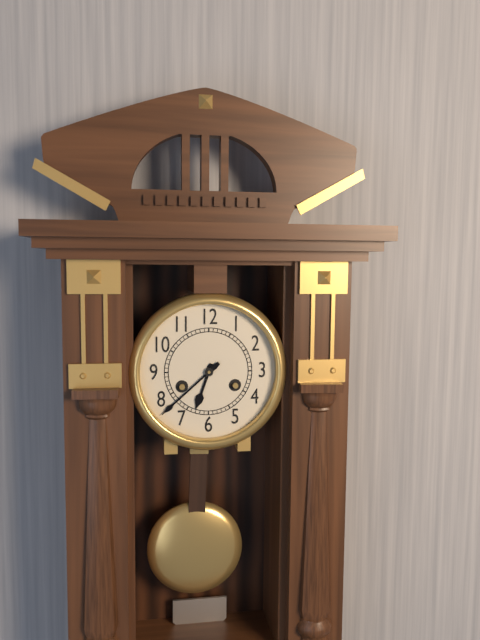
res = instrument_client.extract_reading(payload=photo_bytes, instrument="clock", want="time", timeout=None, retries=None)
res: 6:38
